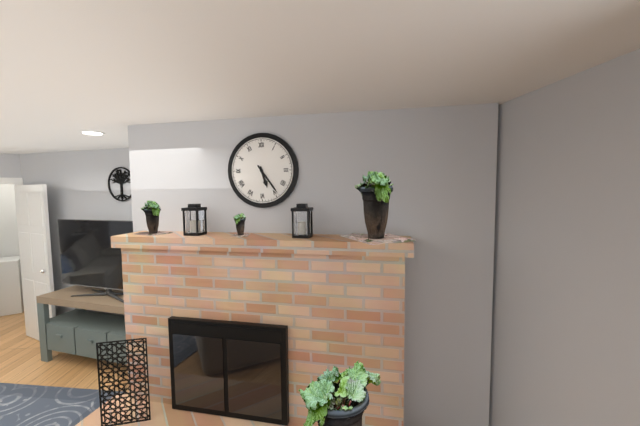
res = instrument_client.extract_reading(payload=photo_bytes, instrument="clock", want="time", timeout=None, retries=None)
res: 5:24
